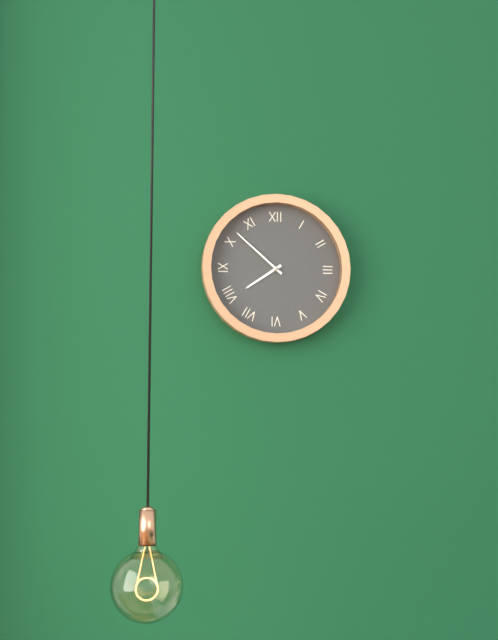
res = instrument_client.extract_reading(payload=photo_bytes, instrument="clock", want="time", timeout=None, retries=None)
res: 7:52
